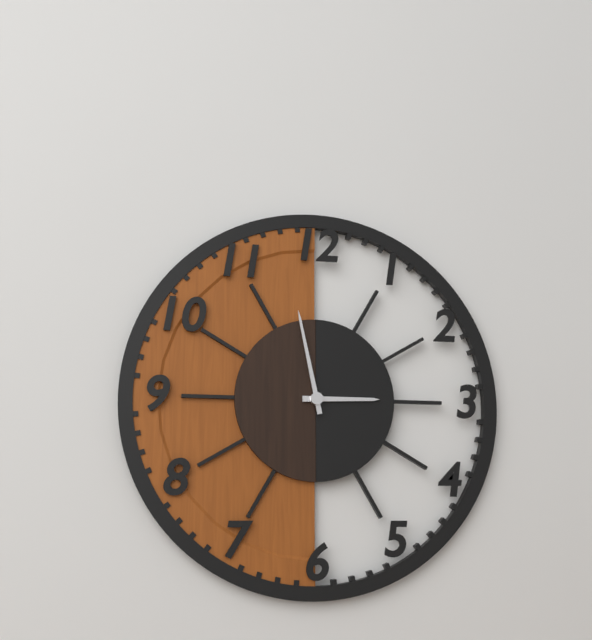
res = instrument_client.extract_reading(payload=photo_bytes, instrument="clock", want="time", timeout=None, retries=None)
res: 2:58
